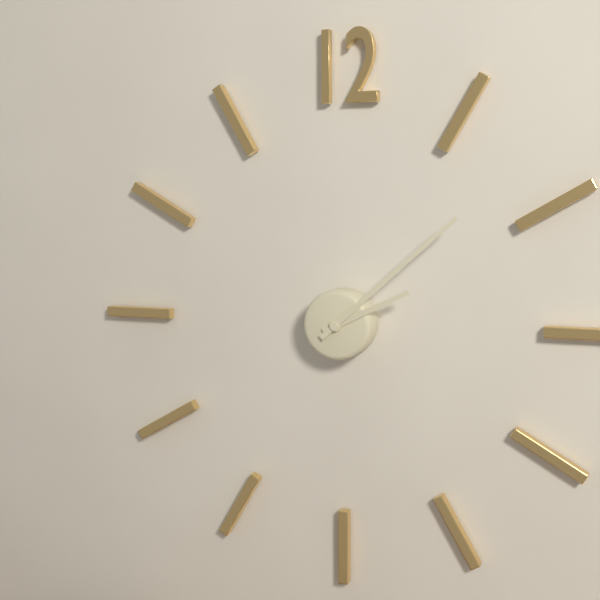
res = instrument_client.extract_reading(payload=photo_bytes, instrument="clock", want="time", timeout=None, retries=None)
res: 2:08
